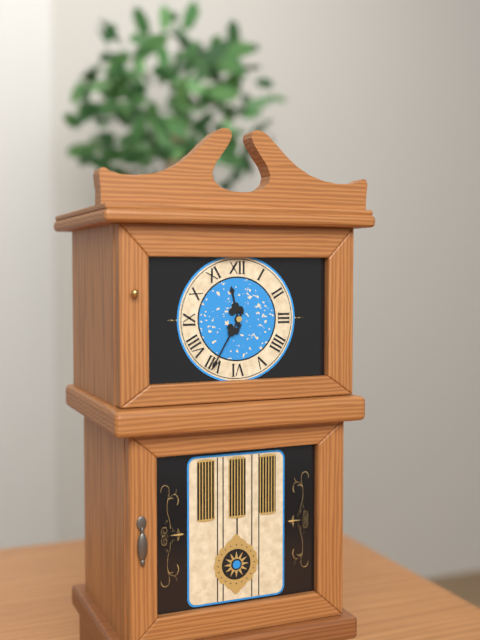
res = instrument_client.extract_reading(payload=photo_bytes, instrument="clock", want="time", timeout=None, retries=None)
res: 11:35
